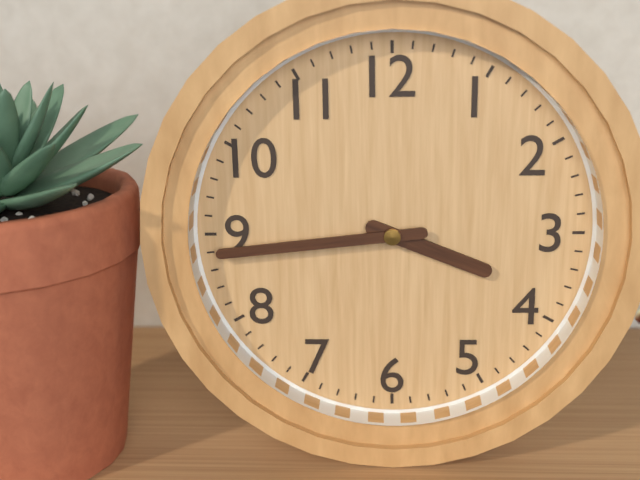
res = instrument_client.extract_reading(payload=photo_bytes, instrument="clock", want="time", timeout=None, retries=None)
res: 3:44
